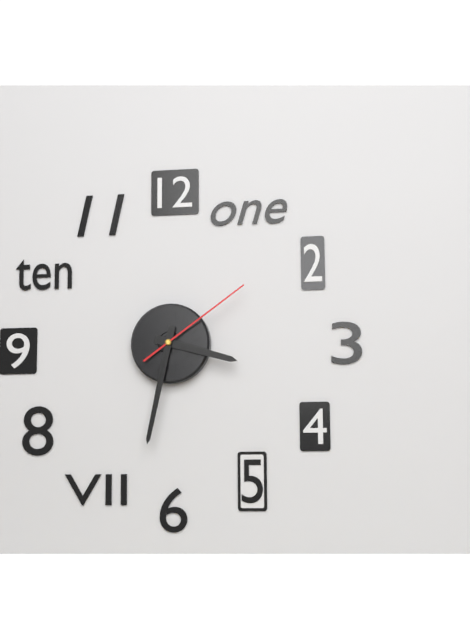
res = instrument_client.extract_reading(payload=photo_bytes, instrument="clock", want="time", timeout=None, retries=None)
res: 3:32:09
